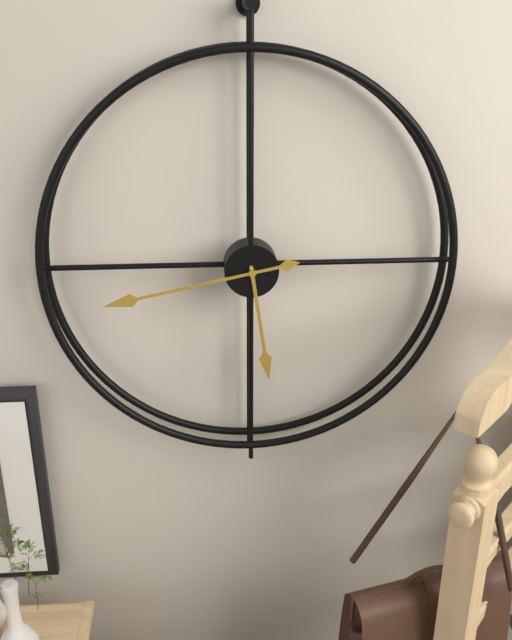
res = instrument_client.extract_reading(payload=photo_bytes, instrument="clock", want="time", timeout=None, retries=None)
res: 5:43
